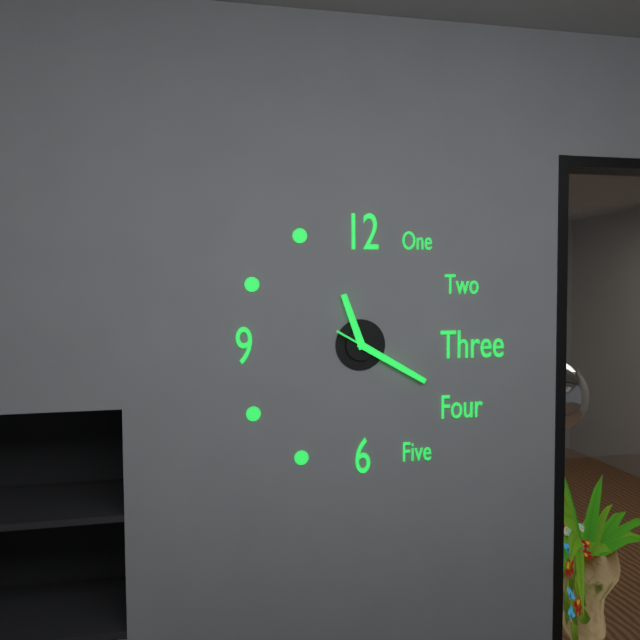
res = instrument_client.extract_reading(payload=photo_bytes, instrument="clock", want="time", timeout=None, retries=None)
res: 11:20:20
